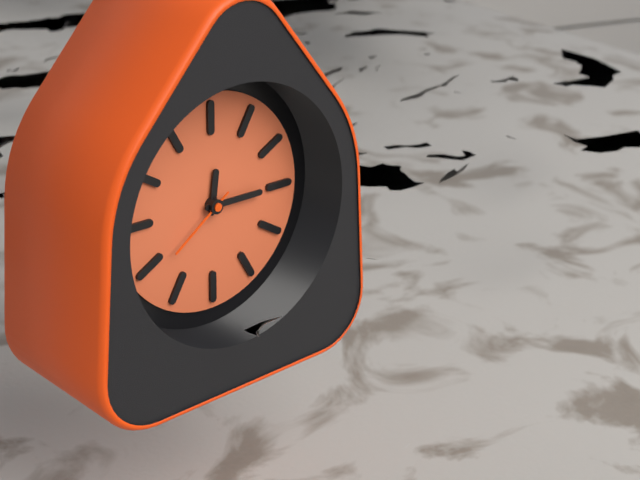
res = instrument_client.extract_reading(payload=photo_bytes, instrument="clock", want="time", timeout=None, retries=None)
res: 12:15:39
